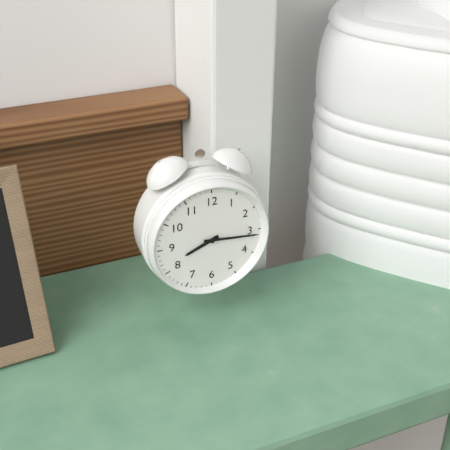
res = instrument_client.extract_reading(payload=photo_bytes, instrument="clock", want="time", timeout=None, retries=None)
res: 8:16
